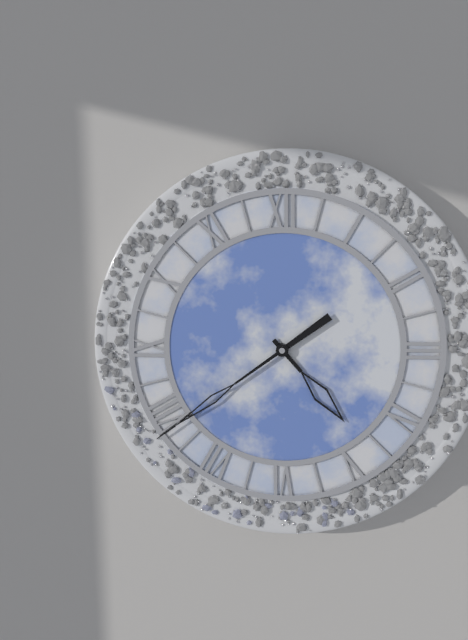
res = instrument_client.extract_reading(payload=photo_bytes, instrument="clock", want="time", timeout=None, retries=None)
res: 4:39
